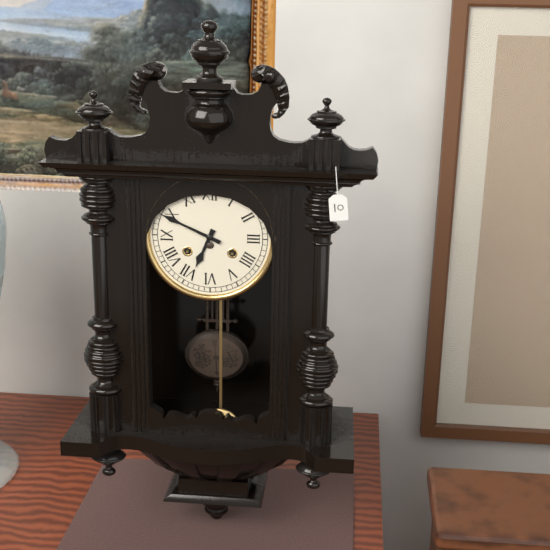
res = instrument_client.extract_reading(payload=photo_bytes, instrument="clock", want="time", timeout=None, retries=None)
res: 6:49
